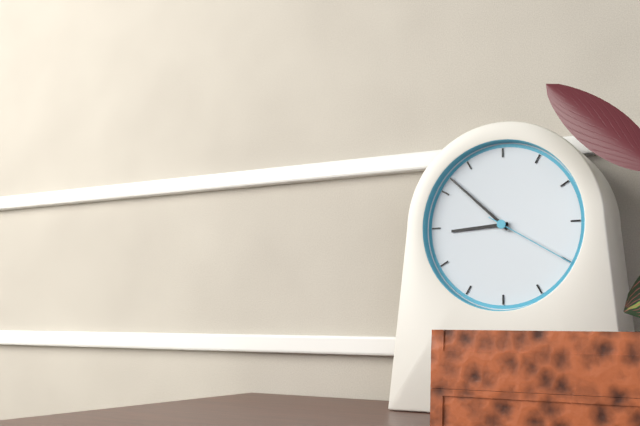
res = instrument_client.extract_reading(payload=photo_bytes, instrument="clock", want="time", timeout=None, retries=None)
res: 8:52:20
